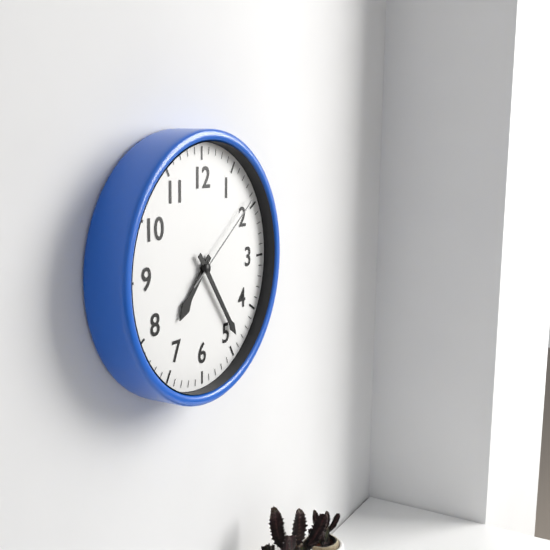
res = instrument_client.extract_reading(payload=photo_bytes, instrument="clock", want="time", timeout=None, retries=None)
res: 7:24:09
